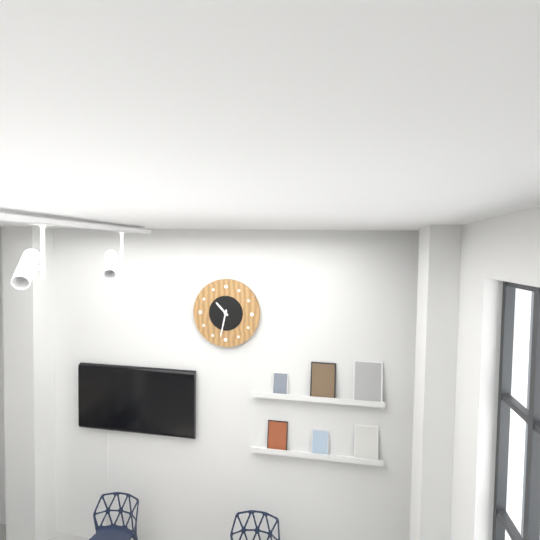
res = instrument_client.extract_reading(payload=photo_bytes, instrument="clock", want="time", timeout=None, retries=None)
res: 10:32
